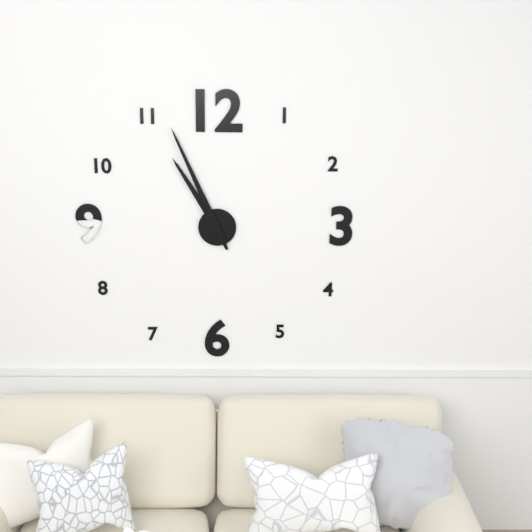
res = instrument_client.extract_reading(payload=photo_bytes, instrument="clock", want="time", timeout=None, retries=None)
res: 10:56
